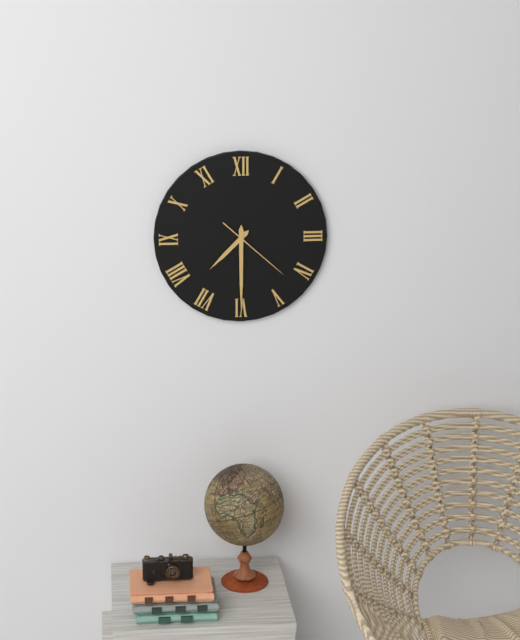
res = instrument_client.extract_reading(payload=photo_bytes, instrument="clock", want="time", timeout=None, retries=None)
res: 7:30:22
